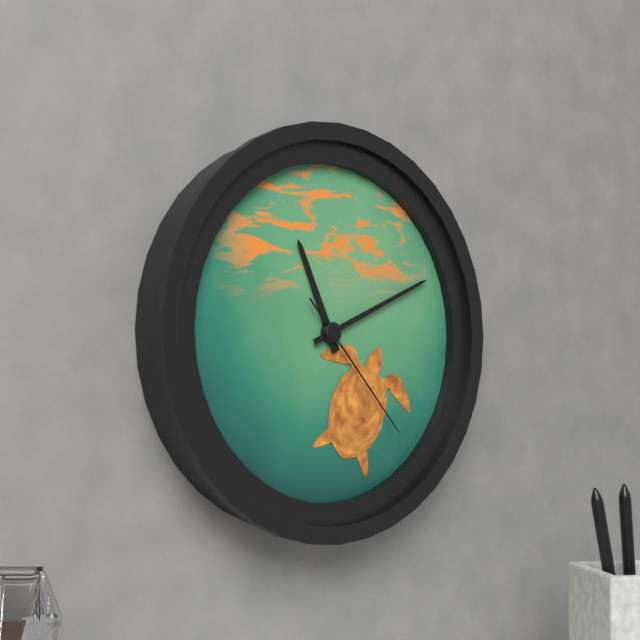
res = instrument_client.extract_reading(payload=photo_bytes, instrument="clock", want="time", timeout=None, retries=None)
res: 11:11:23
